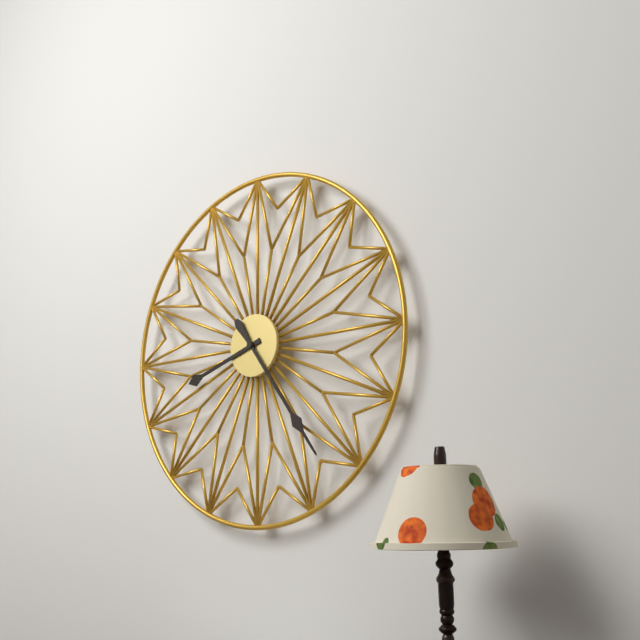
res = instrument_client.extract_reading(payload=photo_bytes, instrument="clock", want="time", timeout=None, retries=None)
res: 8:24
